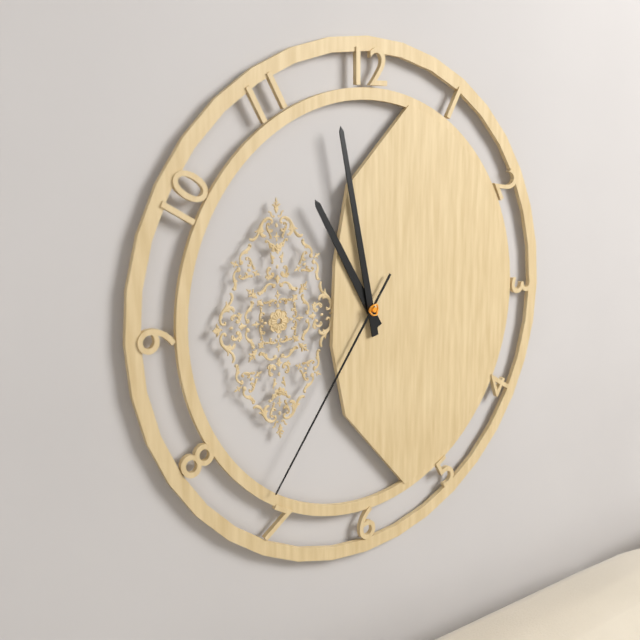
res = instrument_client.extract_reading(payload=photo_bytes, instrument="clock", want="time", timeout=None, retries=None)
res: 10:58:36
